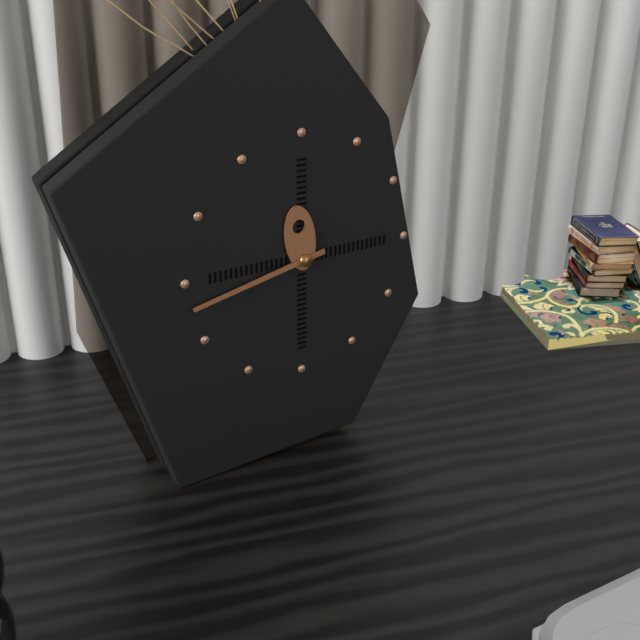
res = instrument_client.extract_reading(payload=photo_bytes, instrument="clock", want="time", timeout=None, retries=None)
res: 11:43
